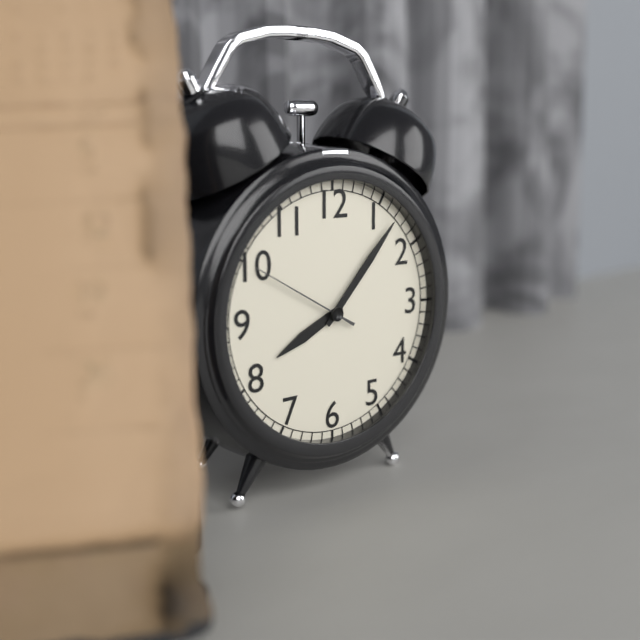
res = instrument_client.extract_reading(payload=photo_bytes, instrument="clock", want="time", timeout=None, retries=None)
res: 8:07:50
